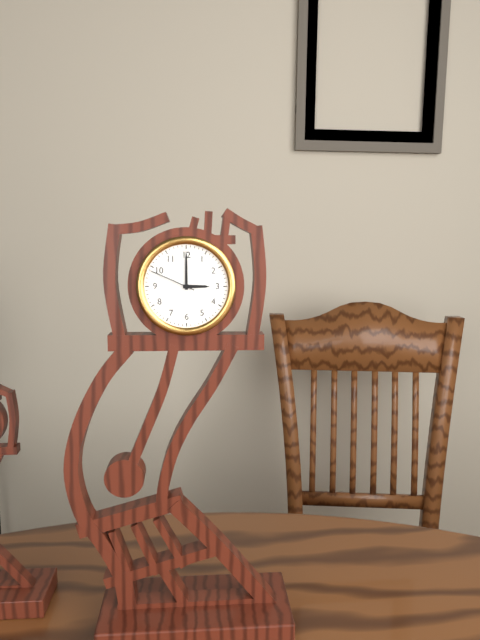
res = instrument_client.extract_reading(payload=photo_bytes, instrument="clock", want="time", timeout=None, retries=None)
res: 3:00
